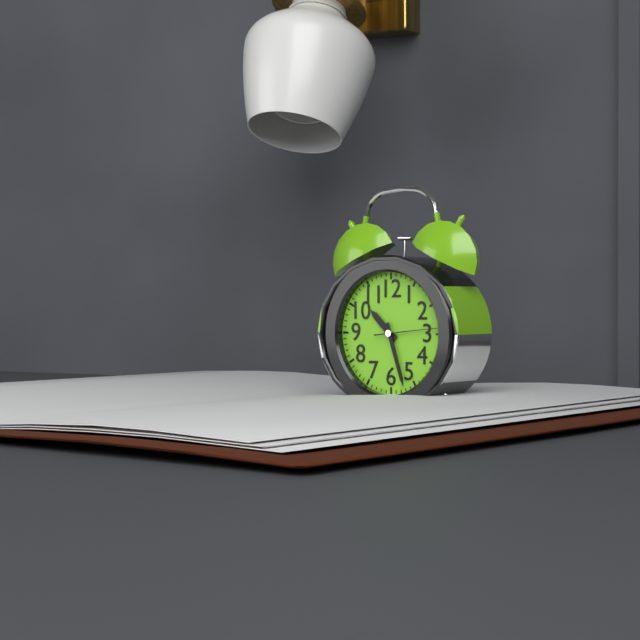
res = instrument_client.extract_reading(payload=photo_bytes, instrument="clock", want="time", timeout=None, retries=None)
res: 10:27:14
